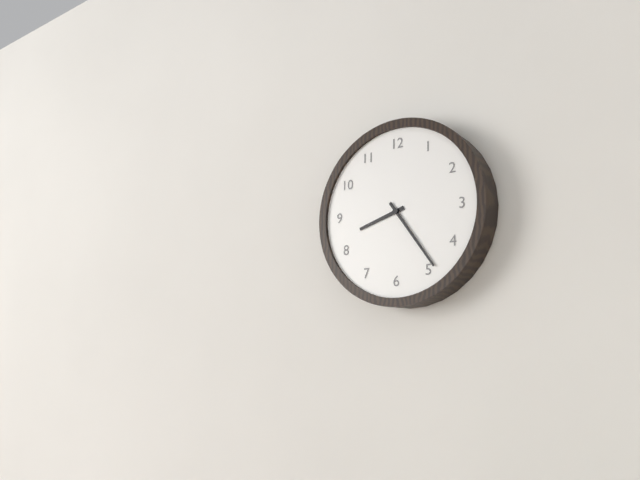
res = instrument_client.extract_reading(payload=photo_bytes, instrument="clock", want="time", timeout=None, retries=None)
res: 8:24
